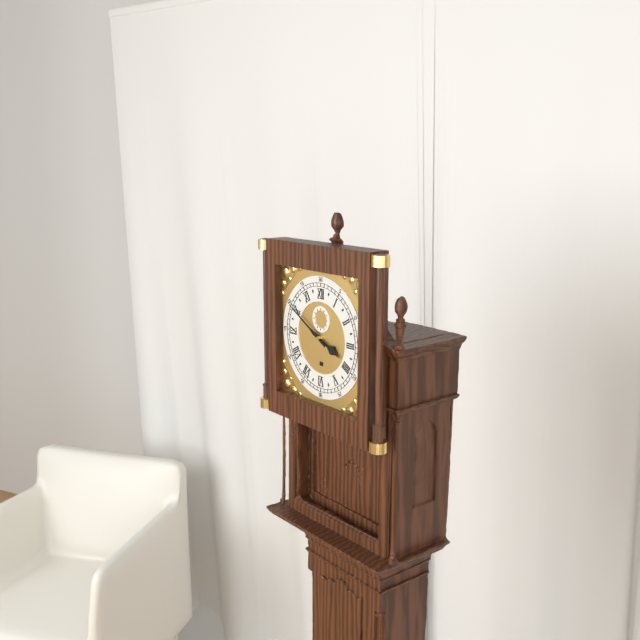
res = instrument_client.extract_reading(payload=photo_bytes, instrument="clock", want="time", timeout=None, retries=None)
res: 3:50
